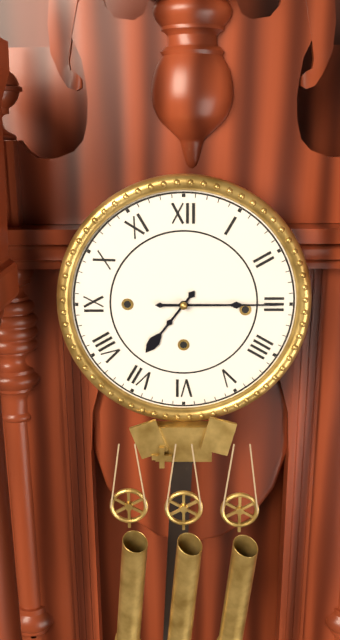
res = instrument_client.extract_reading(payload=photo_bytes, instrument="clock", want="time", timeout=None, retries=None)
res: 7:15
